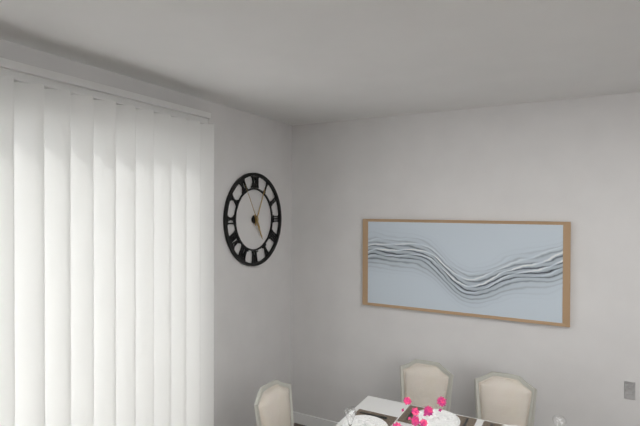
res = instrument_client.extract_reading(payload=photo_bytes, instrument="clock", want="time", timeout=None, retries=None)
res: 5:04
